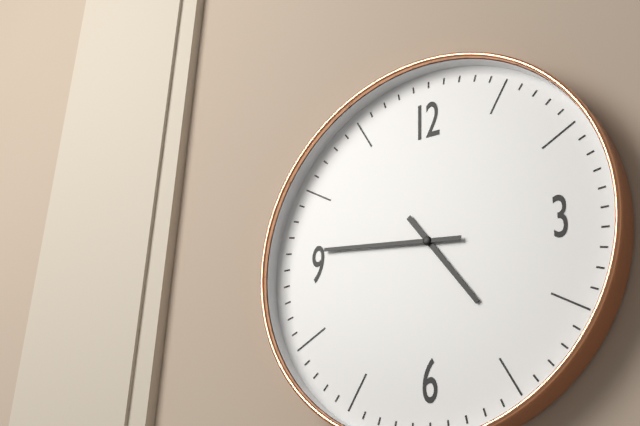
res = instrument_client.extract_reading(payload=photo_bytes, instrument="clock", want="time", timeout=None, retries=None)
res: 4:46
